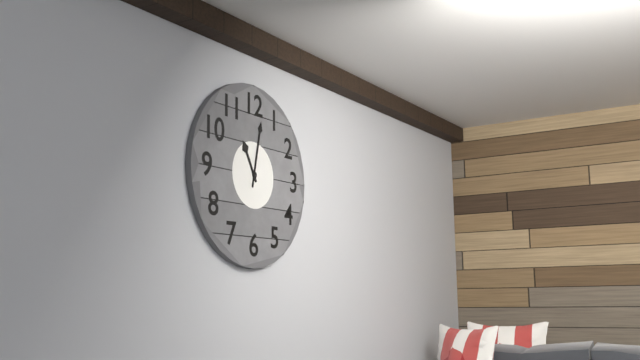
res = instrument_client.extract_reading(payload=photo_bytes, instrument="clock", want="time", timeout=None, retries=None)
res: 11:02
